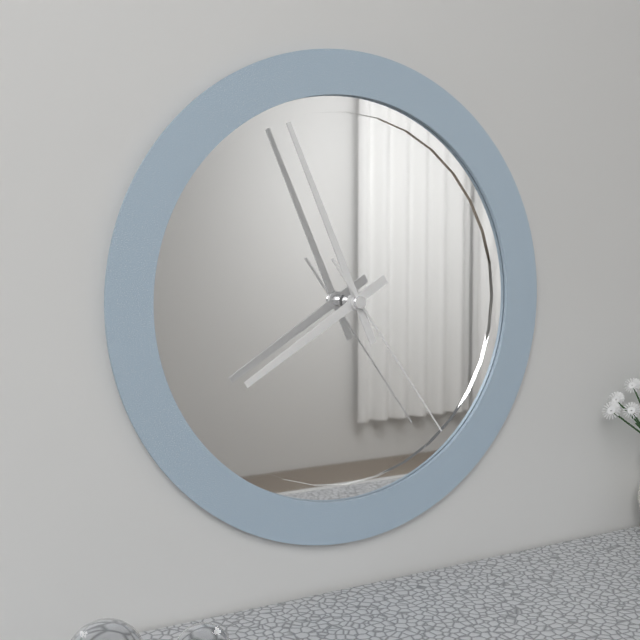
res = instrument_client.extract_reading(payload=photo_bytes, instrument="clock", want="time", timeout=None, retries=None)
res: 7:56:24
